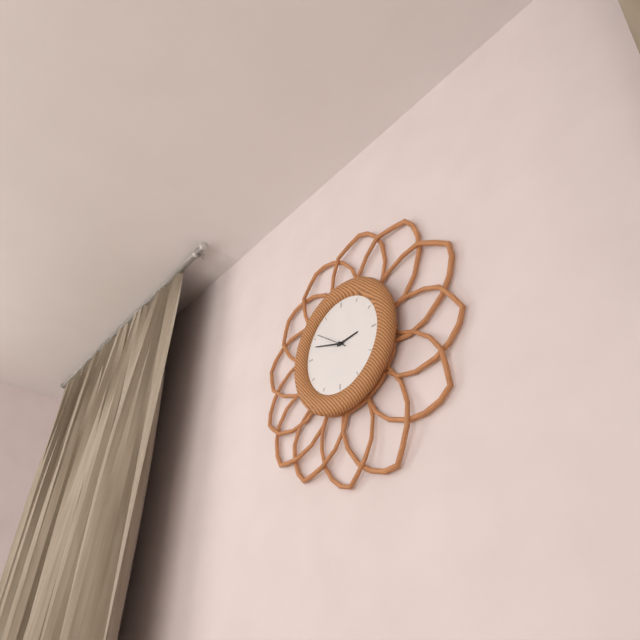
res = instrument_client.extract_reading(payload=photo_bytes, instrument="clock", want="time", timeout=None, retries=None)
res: 2:48
